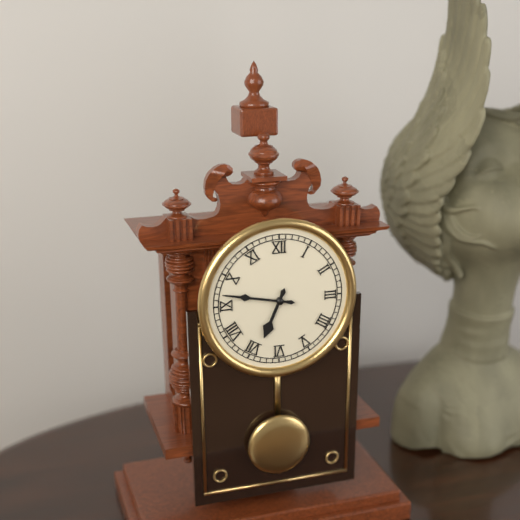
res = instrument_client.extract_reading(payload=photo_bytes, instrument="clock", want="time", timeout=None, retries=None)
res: 6:47
